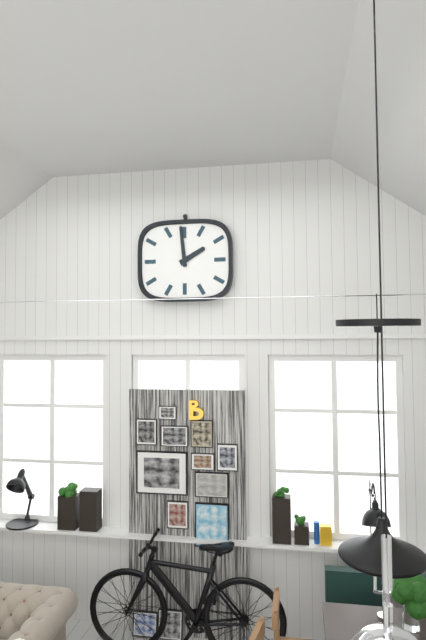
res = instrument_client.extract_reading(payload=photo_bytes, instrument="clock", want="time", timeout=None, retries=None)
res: 1:59
